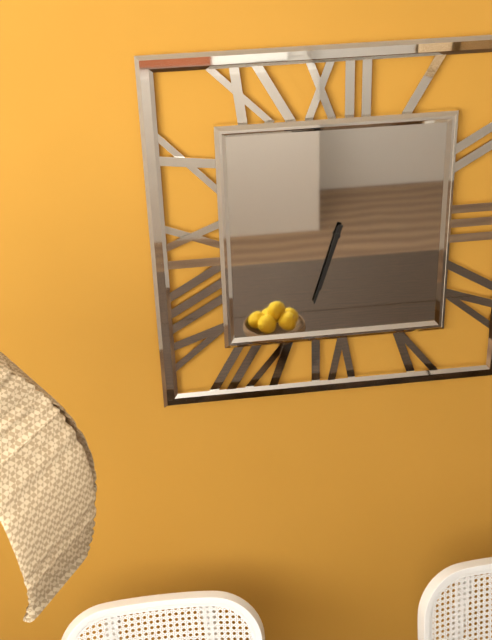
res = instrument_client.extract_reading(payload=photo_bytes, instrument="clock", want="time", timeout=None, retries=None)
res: 6:33
